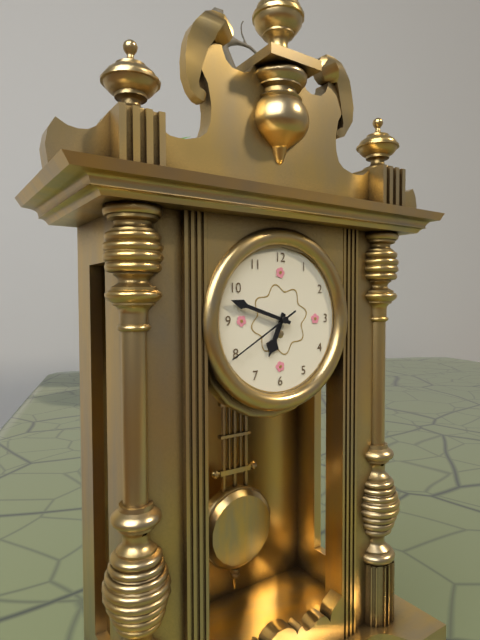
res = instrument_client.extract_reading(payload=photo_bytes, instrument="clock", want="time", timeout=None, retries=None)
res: 6:48:40
